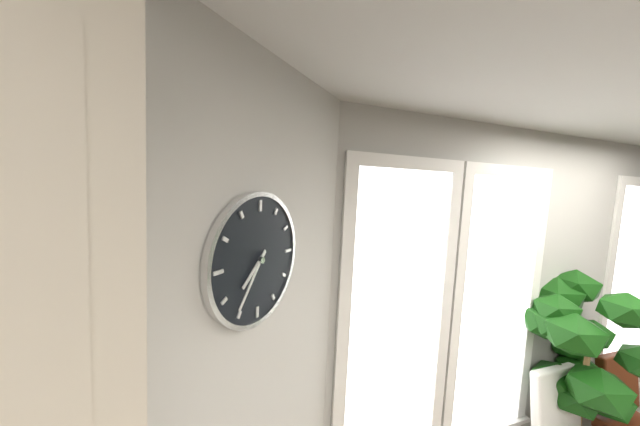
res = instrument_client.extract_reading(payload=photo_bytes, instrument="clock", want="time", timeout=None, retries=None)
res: 7:36
